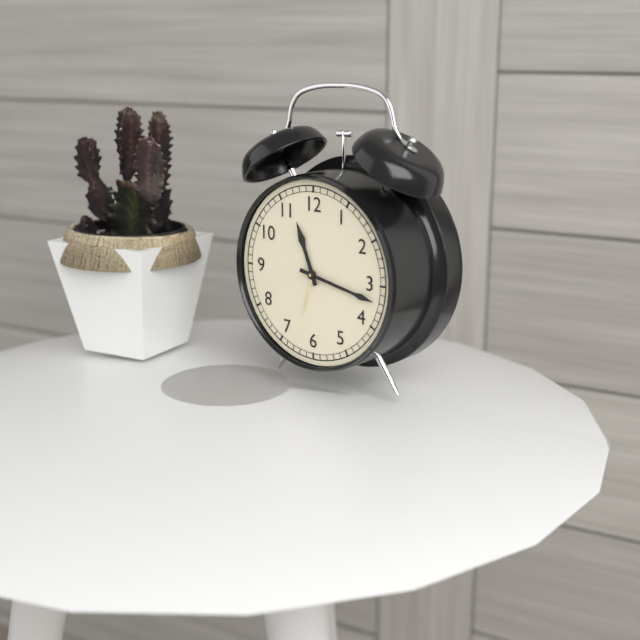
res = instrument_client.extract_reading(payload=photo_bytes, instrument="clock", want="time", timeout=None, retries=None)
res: 11:17
